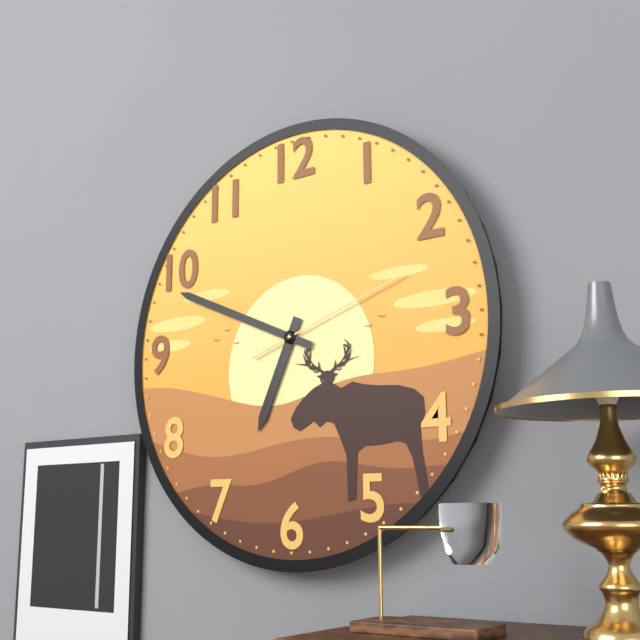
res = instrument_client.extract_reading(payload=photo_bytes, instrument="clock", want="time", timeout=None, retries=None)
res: 6:49:12
